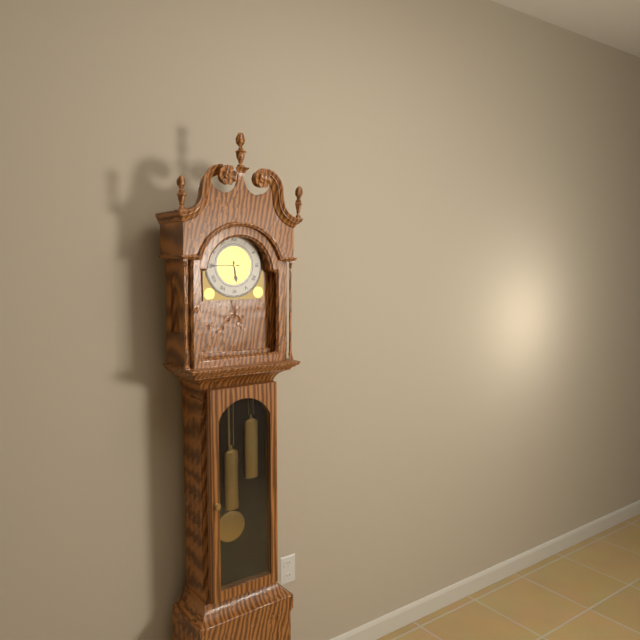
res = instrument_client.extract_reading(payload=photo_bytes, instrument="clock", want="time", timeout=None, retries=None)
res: 5:45
